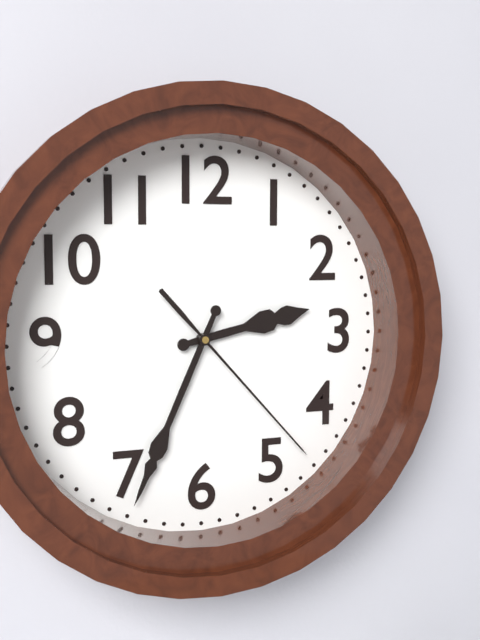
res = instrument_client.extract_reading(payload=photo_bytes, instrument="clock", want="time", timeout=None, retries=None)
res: 2:34:23
